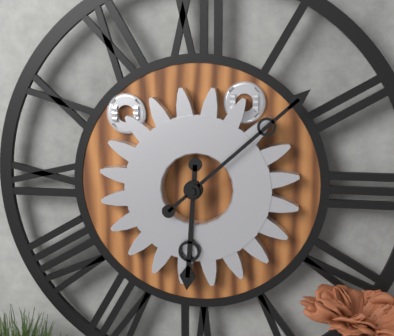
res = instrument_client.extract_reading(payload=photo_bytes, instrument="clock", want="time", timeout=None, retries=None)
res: 6:08
